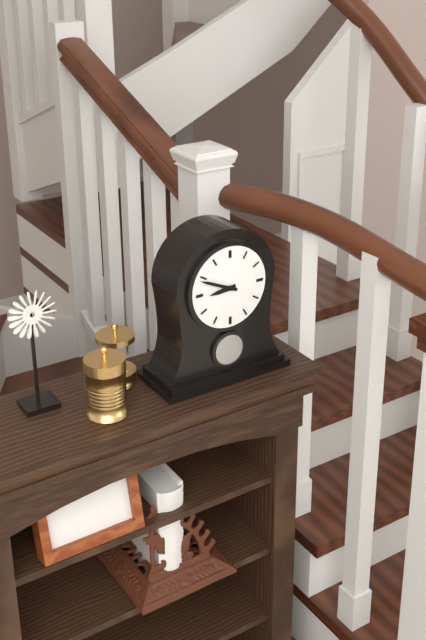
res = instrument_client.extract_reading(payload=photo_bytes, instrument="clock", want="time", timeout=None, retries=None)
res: 8:49
